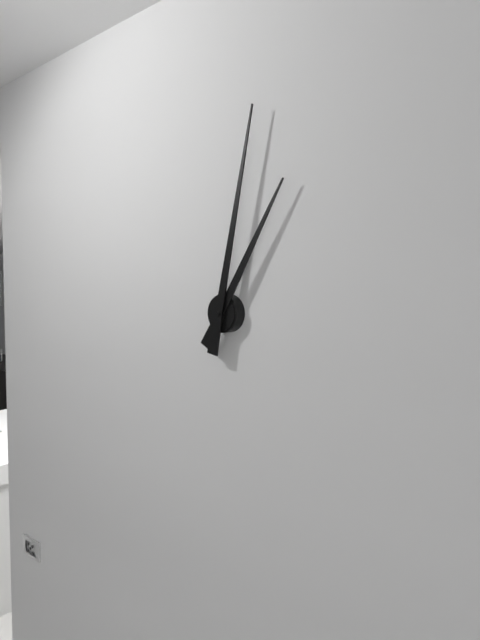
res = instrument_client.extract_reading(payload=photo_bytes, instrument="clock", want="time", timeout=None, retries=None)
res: 1:02
